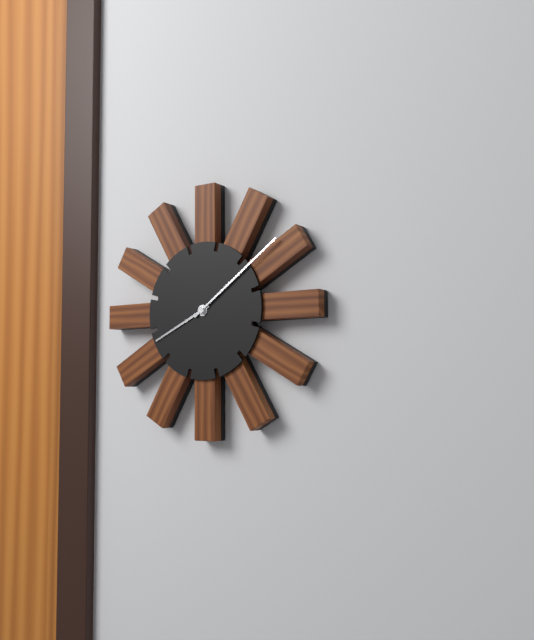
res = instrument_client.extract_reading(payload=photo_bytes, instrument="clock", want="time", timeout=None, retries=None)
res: 8:09
